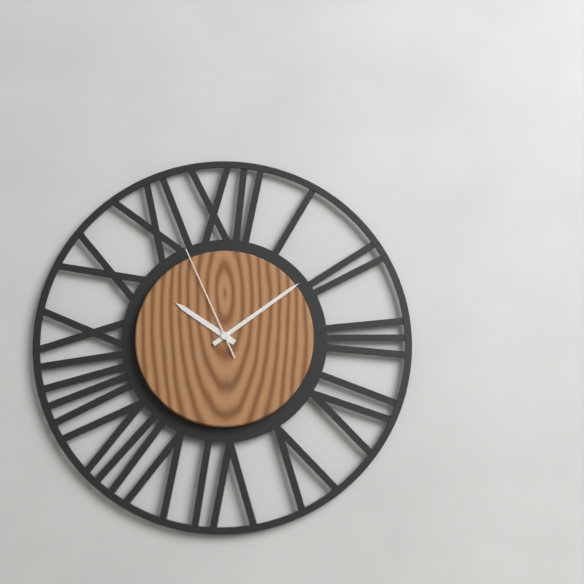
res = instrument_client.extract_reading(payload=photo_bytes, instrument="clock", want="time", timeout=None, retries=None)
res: 10:09:56
